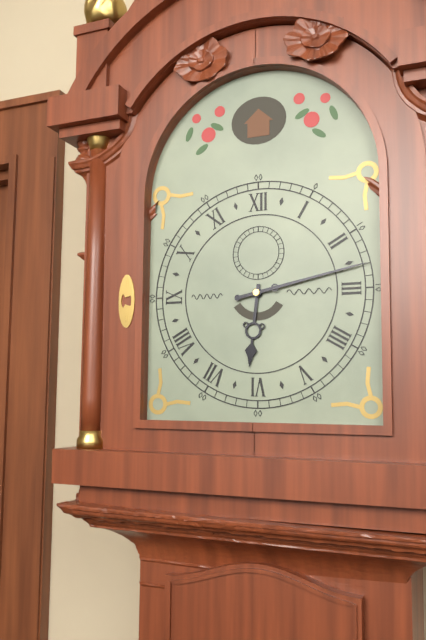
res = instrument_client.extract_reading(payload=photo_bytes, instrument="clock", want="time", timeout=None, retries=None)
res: 6:13
